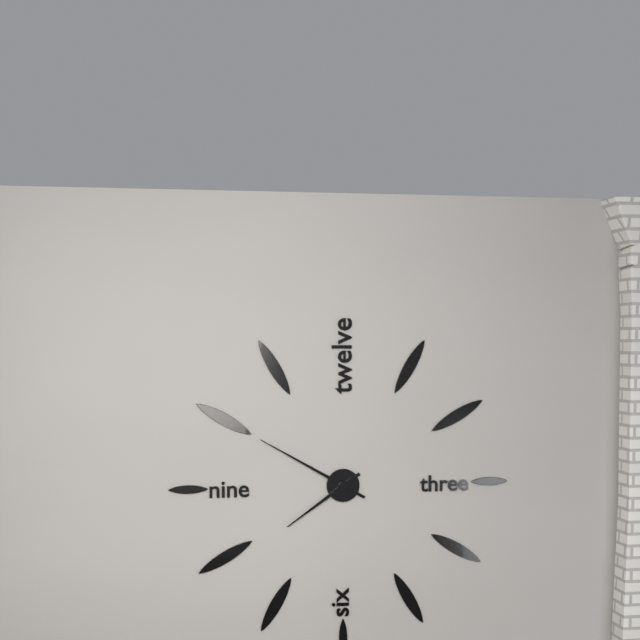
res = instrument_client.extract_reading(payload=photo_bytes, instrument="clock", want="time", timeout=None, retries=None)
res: 7:50
